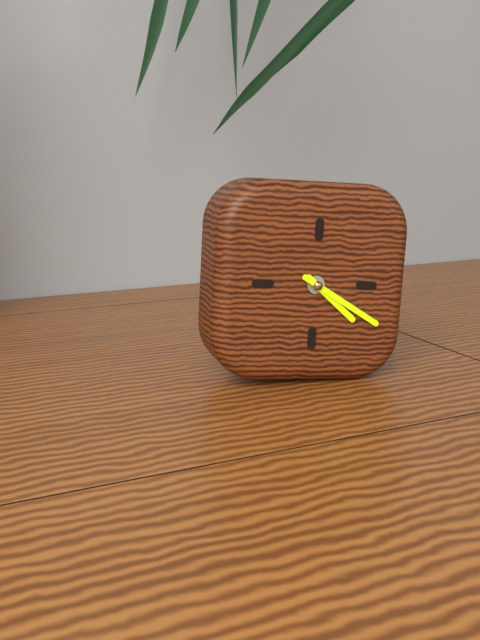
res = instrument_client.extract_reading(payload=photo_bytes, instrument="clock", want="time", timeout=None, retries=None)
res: 4:20
